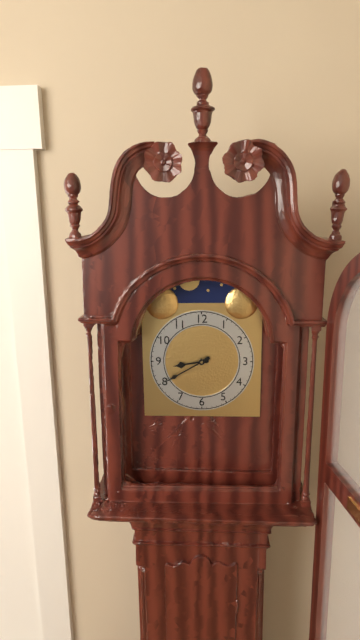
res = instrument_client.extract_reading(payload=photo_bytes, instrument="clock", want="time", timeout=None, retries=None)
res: 8:40
